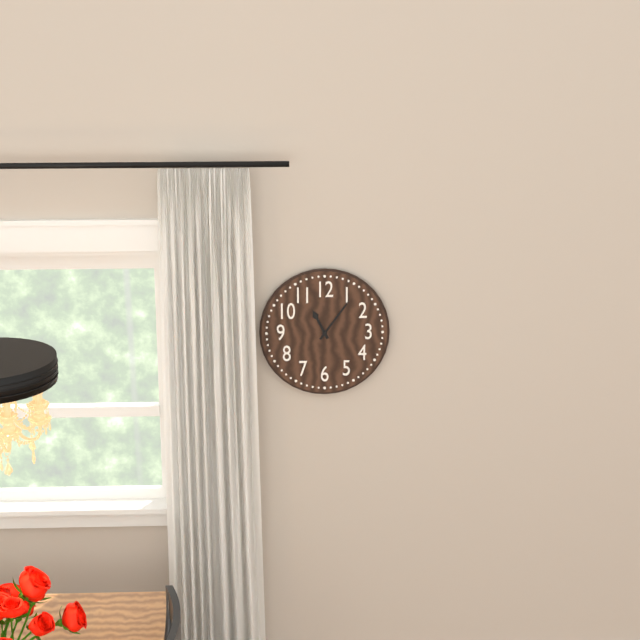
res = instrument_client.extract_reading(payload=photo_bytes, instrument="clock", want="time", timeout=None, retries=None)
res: 11:06
